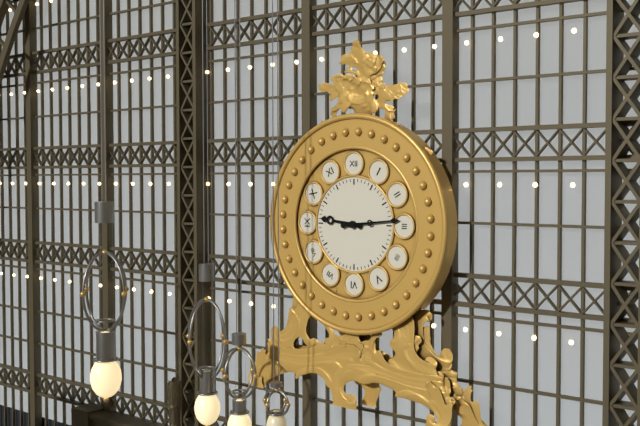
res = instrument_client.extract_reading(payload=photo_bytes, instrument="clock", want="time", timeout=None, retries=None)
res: 9:14
